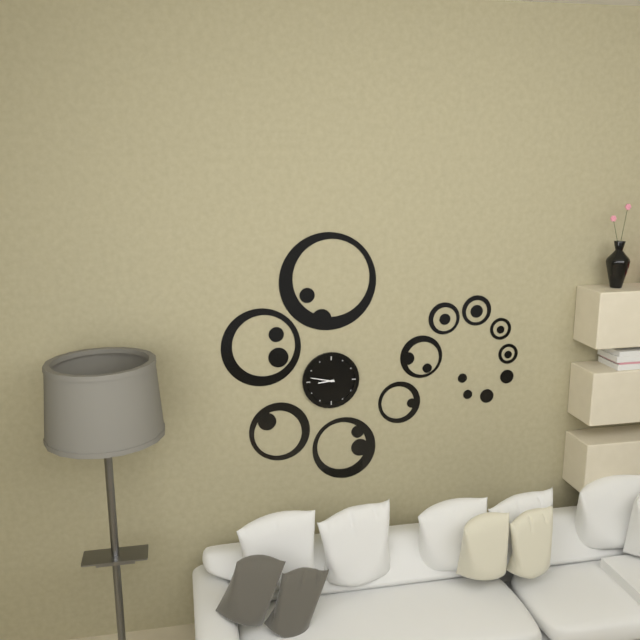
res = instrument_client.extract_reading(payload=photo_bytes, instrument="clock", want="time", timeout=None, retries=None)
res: 8:47
